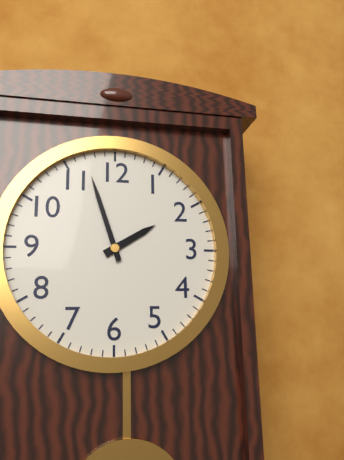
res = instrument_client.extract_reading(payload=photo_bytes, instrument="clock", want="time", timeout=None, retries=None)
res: 1:57
